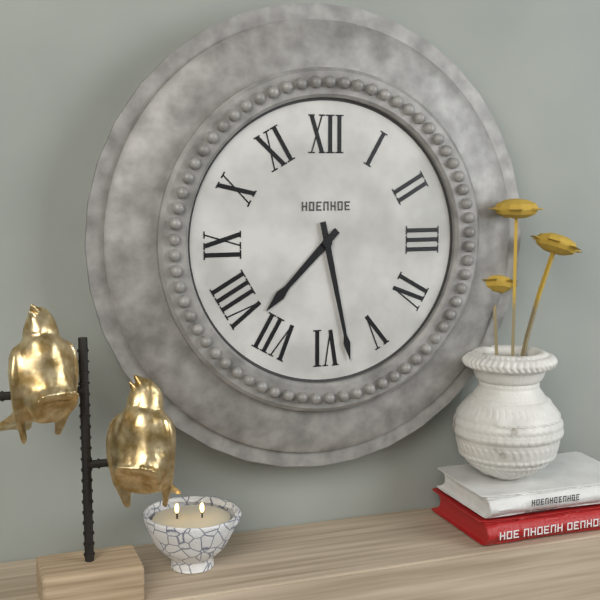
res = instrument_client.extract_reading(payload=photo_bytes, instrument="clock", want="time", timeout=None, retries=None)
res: 7:28
